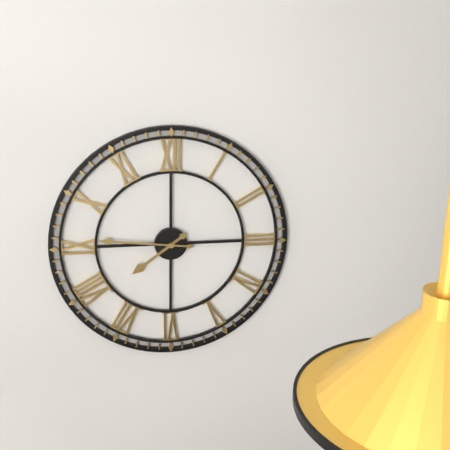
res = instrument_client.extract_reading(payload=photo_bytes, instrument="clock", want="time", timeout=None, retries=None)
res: 7:46
